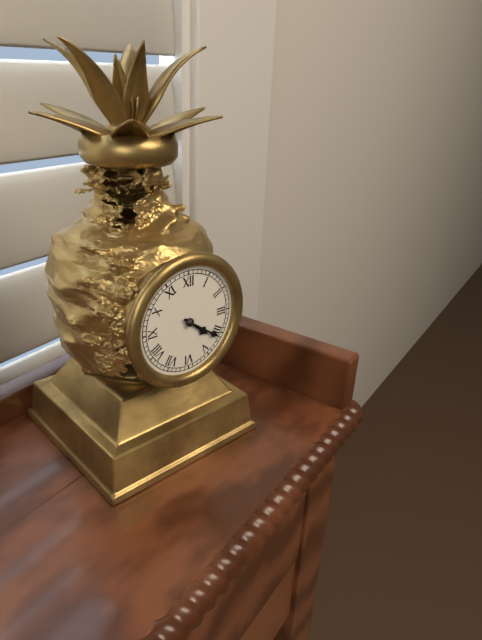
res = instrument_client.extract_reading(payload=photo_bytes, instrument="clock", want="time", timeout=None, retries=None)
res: 4:21
